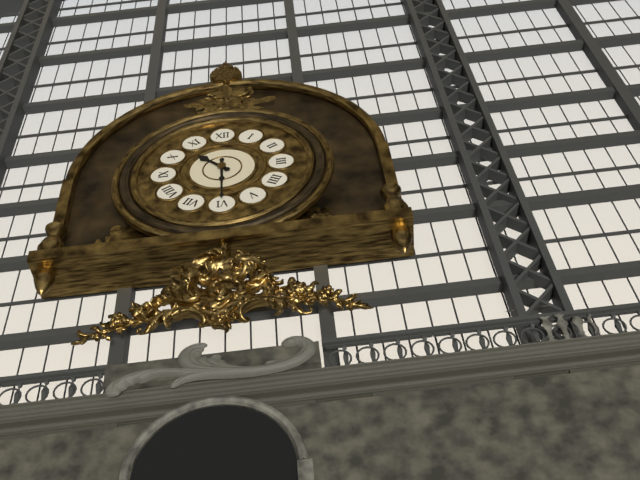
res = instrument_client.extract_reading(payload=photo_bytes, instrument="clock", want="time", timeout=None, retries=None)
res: 10:30
